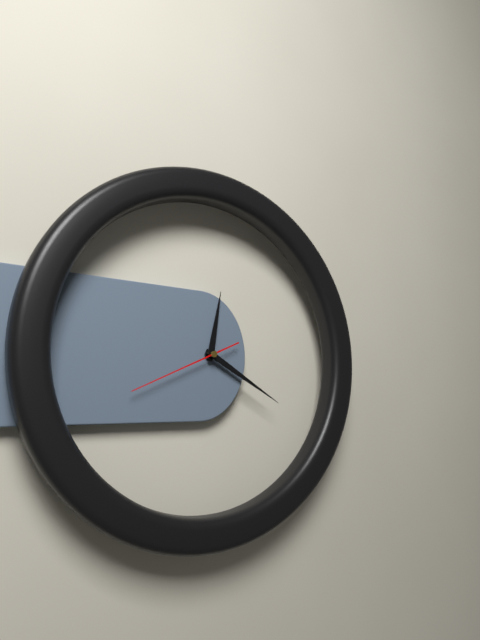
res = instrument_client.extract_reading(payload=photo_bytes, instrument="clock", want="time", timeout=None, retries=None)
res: 12:20:41
